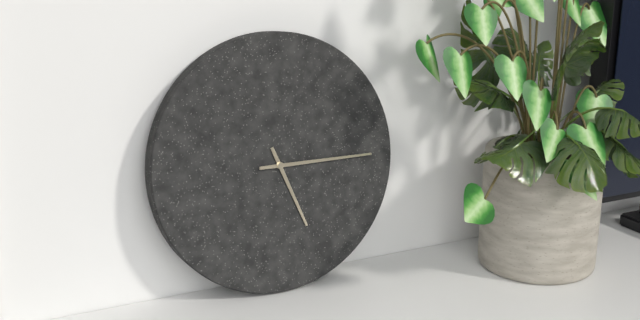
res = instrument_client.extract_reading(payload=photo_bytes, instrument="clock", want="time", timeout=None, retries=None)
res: 5:15
